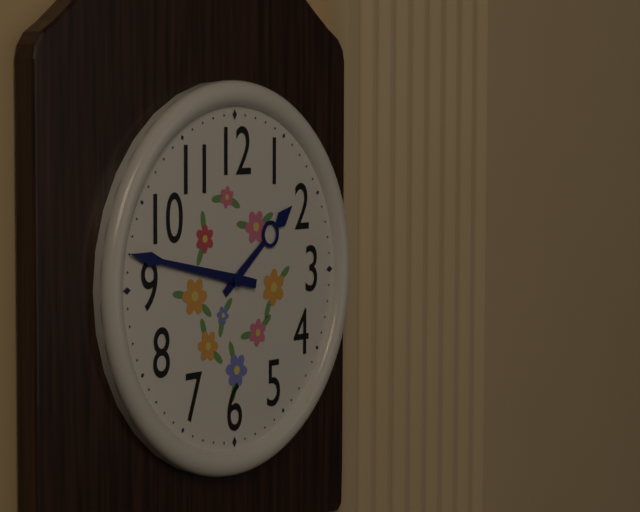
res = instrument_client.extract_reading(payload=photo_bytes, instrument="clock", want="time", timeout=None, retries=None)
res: 1:47
